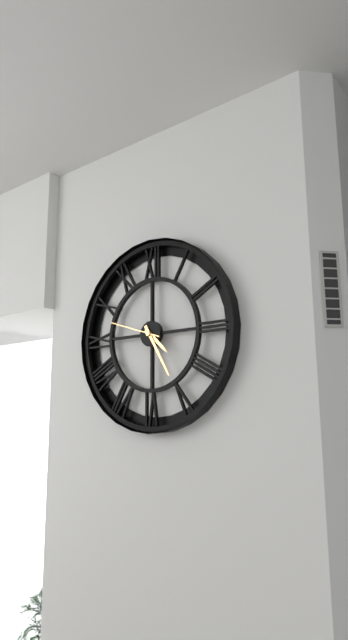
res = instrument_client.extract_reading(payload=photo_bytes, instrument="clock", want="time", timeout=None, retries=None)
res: 4:25:48
